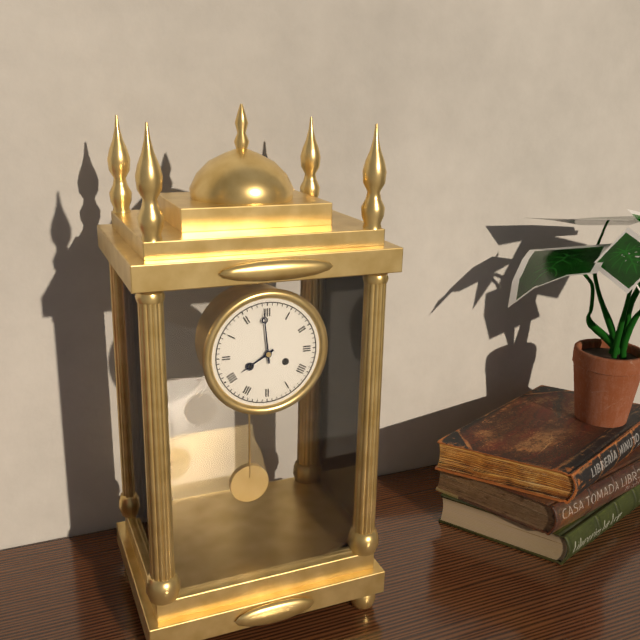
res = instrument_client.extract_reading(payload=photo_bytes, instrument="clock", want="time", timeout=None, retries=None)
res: 7:59
